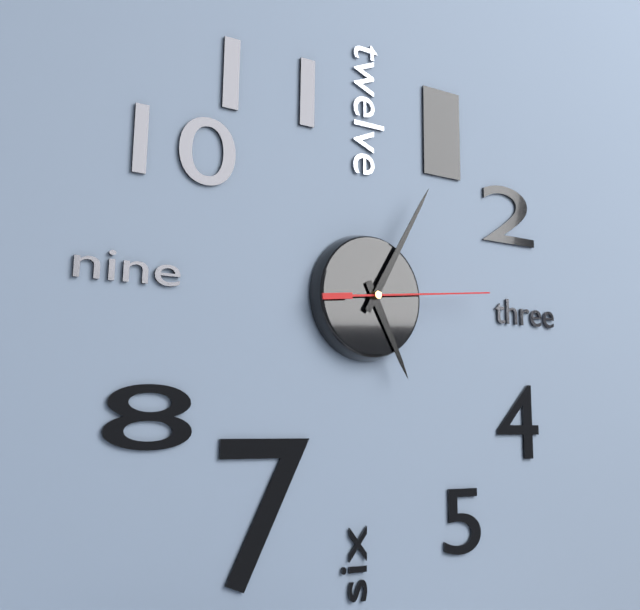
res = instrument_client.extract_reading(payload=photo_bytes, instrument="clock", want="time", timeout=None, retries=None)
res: 5:05:14
